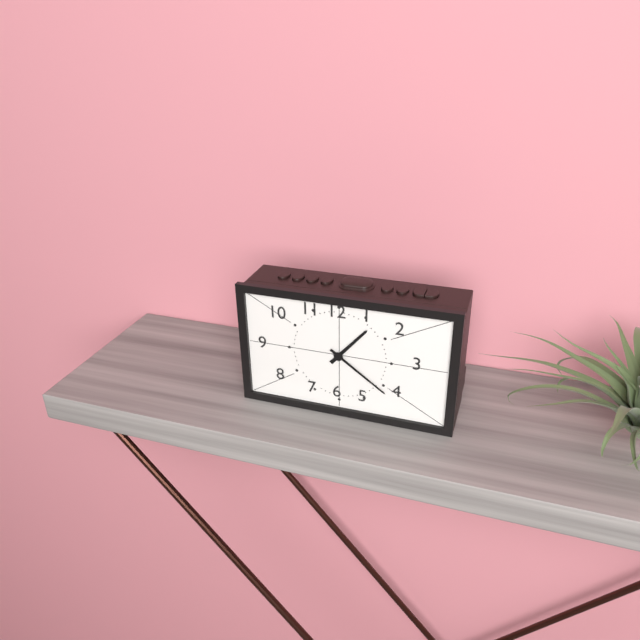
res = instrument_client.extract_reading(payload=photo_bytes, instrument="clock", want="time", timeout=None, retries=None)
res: 1:21
